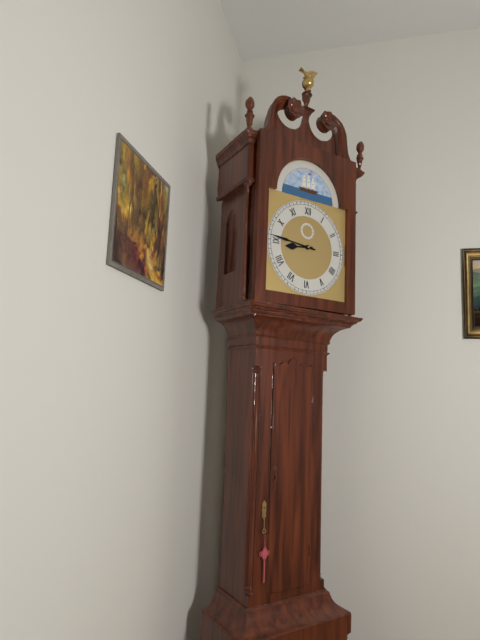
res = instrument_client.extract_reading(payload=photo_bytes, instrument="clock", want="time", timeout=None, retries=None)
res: 8:46
